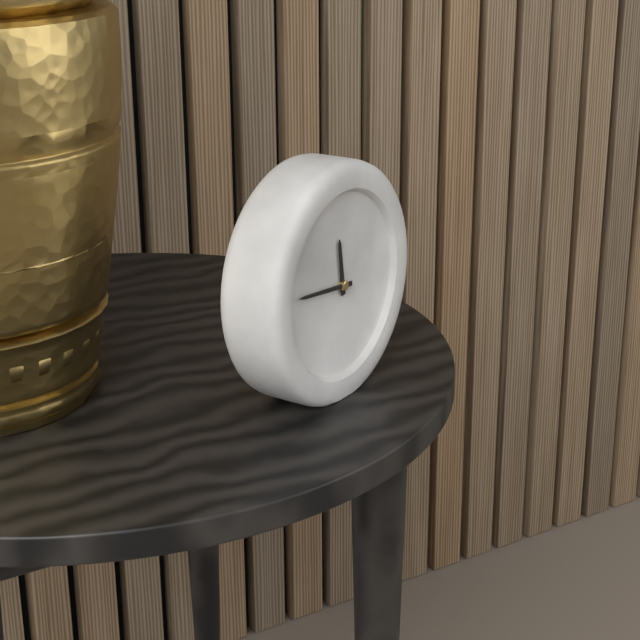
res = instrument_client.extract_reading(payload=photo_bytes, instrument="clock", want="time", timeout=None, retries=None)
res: 11:46
